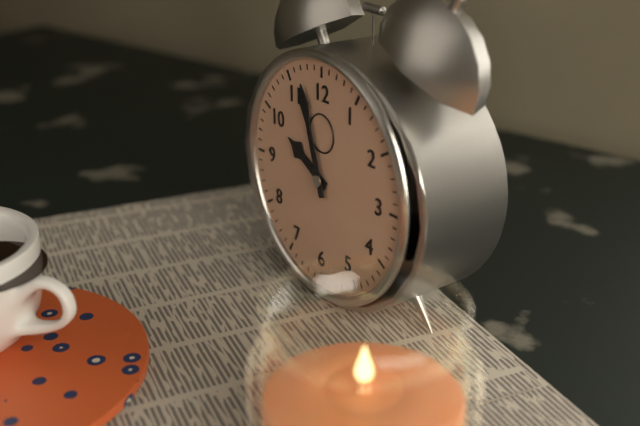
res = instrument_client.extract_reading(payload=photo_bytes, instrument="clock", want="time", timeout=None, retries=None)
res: 9:57
